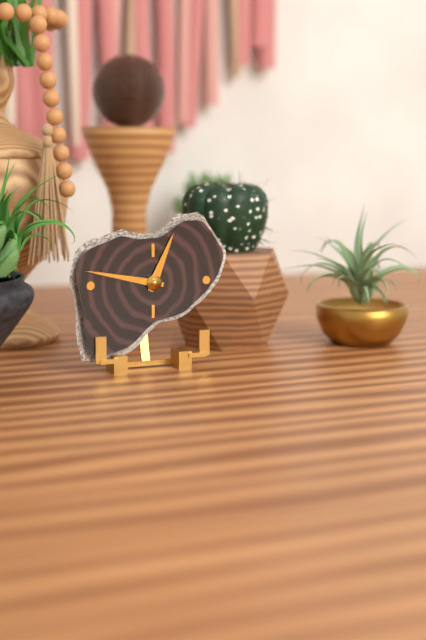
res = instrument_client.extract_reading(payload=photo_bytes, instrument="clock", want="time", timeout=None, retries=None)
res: 12:47
